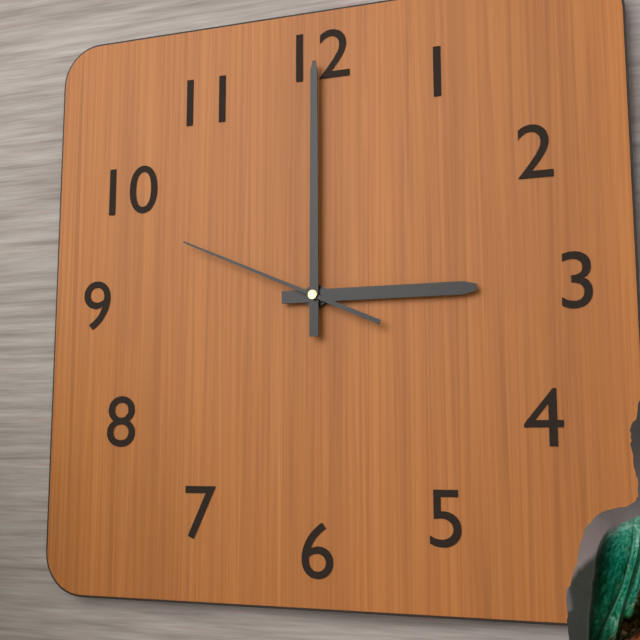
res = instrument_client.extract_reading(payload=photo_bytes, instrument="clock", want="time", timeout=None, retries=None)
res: 3:00:49
